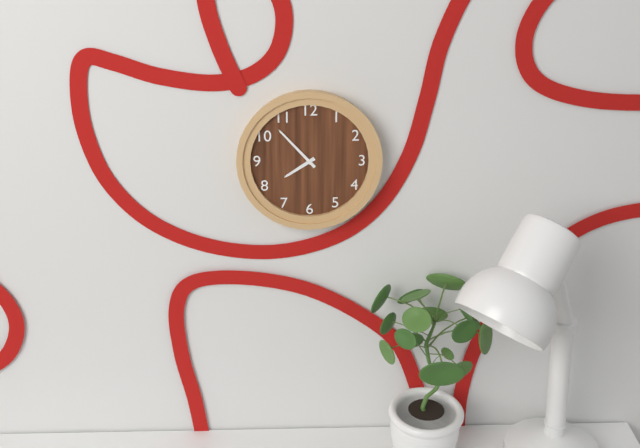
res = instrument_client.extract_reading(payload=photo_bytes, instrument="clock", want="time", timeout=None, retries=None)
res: 7:53
